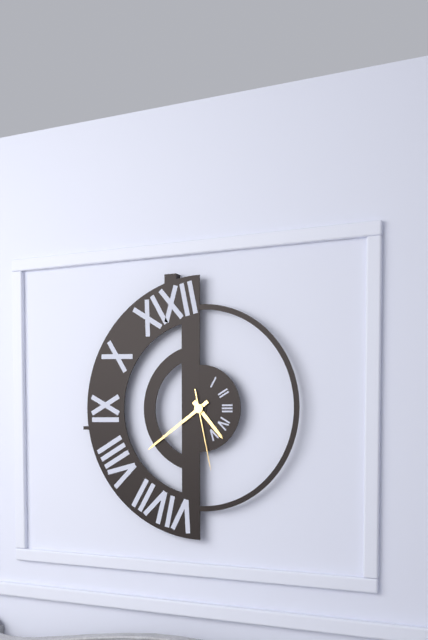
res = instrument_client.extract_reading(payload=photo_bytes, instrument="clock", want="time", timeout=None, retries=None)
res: 4:39:28
